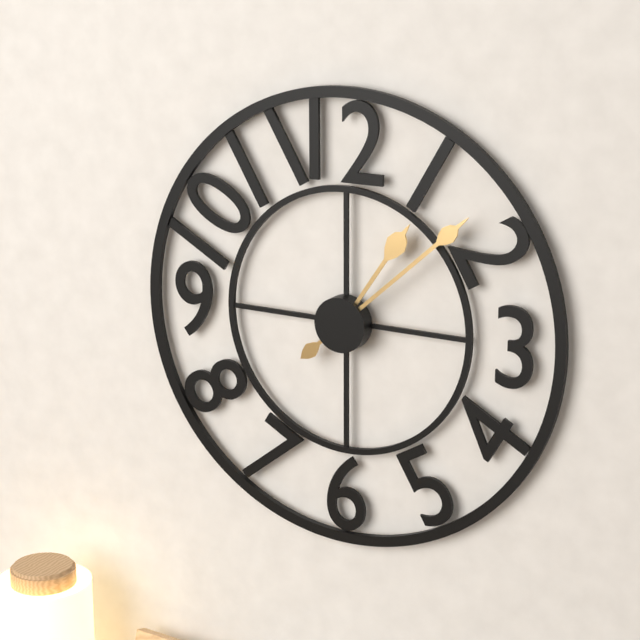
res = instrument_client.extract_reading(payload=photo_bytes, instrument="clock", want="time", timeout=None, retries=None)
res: 1:08
